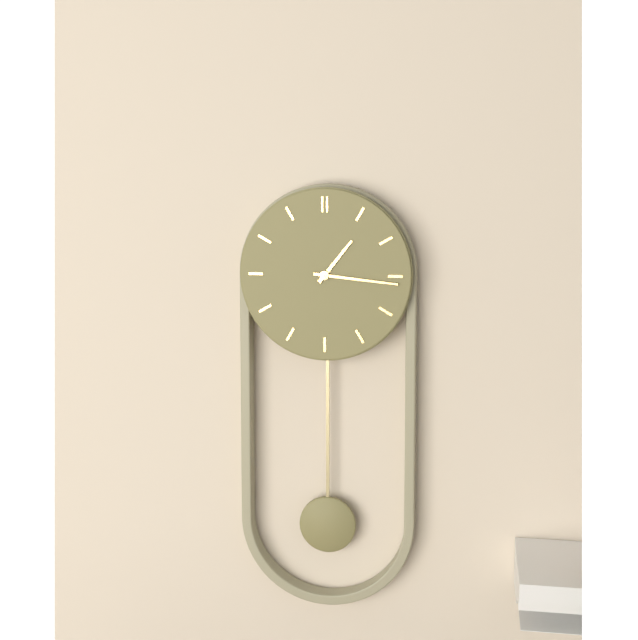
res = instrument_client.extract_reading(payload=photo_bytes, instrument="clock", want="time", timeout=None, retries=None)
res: 1:16
